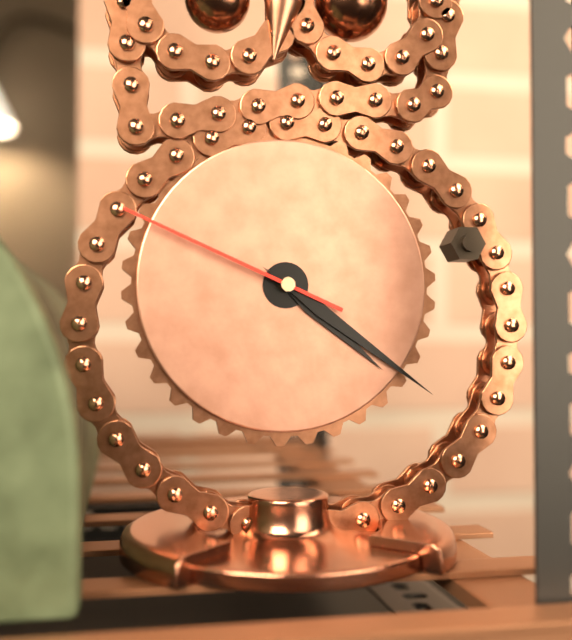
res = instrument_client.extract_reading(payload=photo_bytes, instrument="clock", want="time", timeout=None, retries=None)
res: 4:21:49
